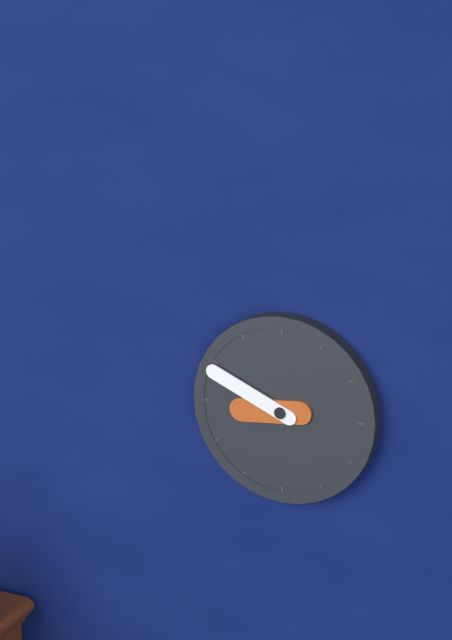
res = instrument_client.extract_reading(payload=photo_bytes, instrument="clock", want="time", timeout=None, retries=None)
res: 8:49
